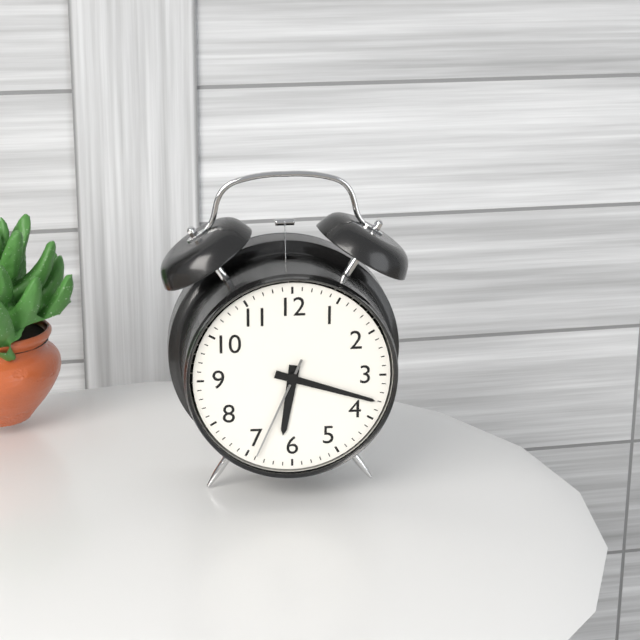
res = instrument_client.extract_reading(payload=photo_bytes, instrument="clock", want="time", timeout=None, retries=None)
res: 6:18:34
